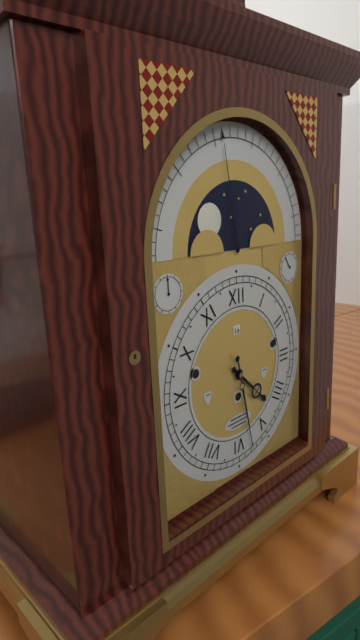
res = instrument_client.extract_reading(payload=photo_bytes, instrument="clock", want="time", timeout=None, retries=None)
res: 4:28
